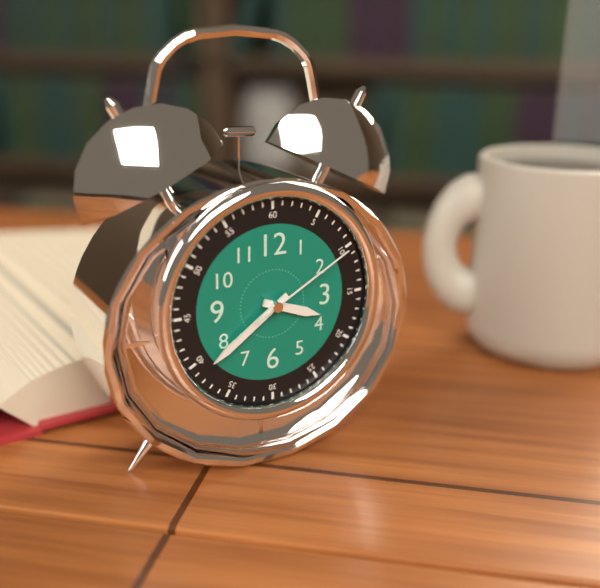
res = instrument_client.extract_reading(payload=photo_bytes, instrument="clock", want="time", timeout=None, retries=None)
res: 3:39:10
